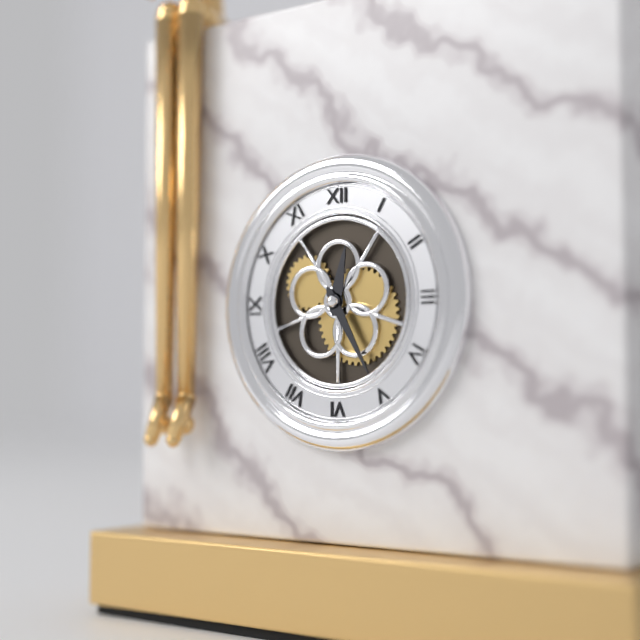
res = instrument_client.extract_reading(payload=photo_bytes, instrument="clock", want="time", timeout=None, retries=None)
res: 12:25
